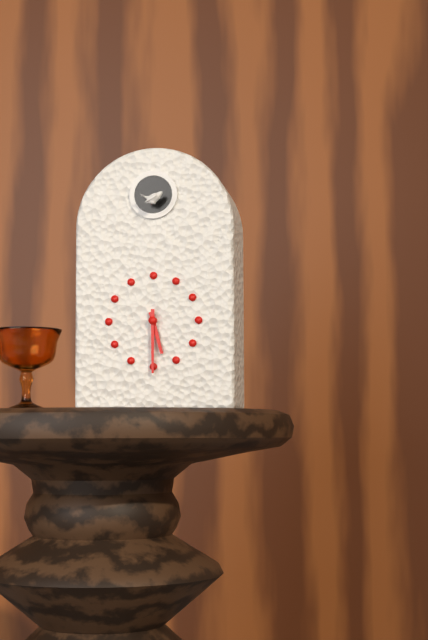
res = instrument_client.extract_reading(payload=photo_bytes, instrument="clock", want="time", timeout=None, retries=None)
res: 5:30
